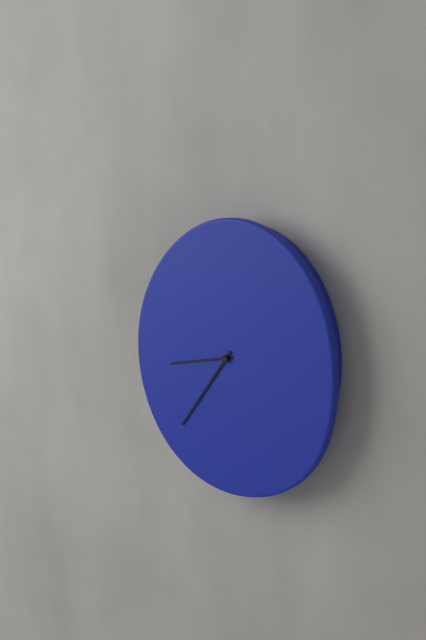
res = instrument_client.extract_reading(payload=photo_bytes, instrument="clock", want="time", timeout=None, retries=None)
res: 8:36
